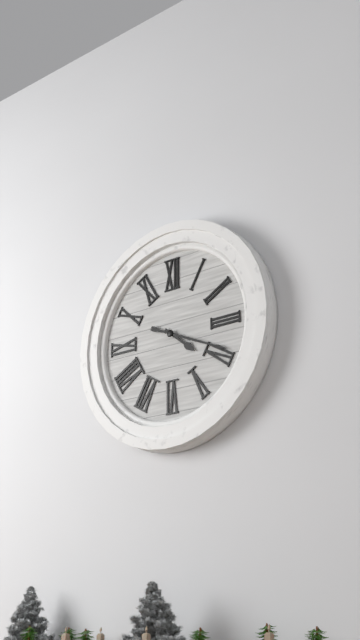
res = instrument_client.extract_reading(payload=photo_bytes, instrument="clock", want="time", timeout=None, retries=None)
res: 4:19
